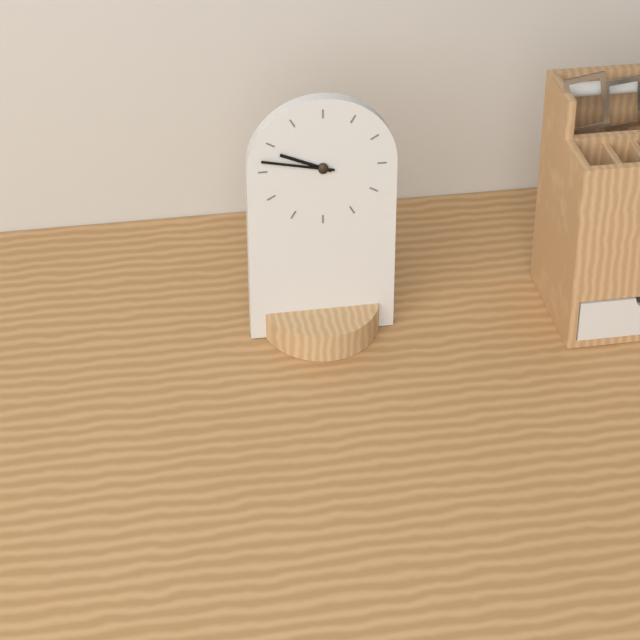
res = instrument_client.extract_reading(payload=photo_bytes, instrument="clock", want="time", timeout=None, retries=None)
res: 9:47
